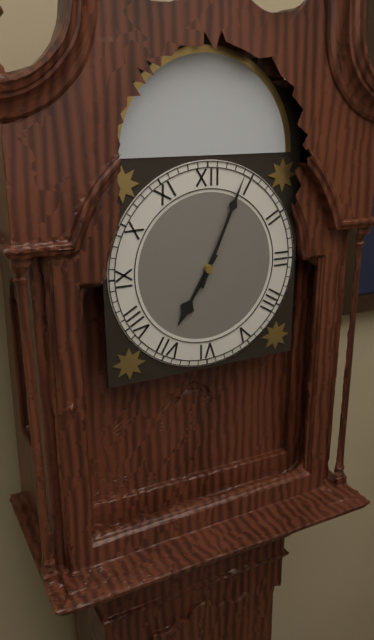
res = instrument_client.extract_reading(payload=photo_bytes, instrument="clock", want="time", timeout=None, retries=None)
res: 7:04
